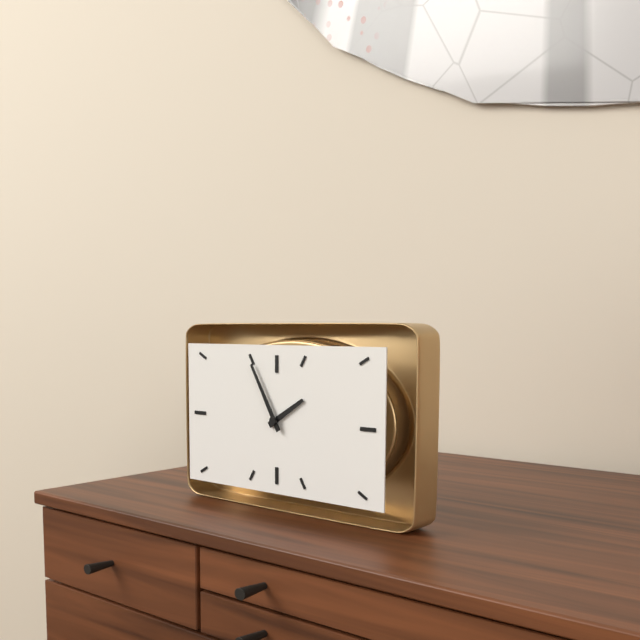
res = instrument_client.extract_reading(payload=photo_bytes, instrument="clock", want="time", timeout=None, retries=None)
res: 1:55
